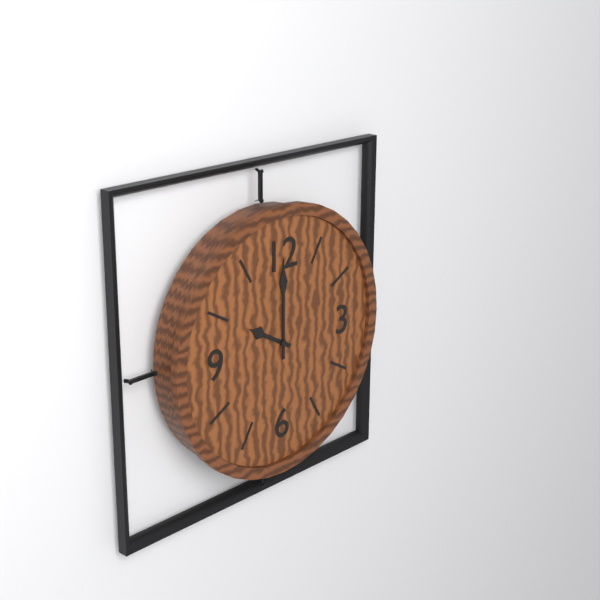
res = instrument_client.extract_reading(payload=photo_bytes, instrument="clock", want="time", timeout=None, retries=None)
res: 10:00
